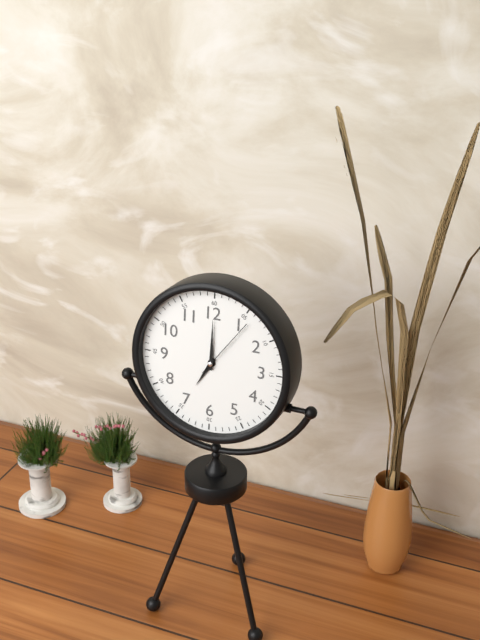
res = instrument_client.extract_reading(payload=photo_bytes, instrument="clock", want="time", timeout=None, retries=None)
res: 7:00:06
